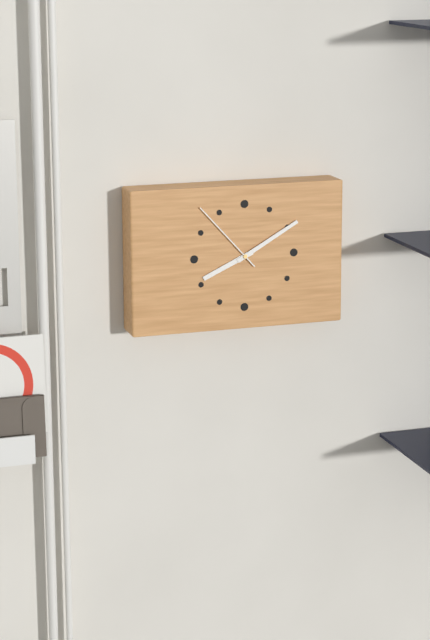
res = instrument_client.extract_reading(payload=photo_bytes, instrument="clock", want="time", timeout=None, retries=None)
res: 8:10:53
